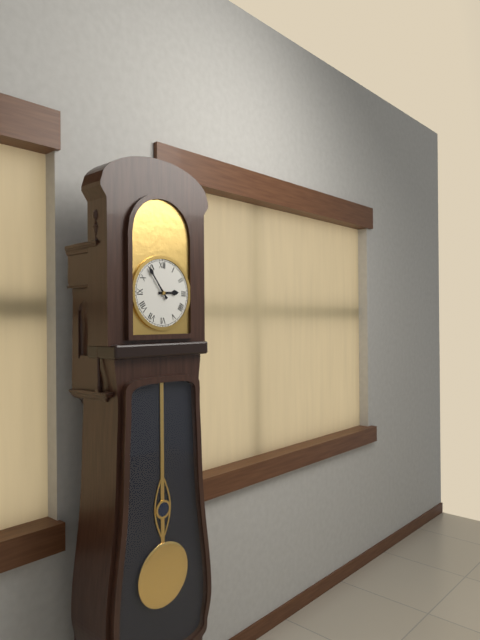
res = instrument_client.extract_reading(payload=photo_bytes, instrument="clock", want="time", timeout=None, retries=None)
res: 2:54
